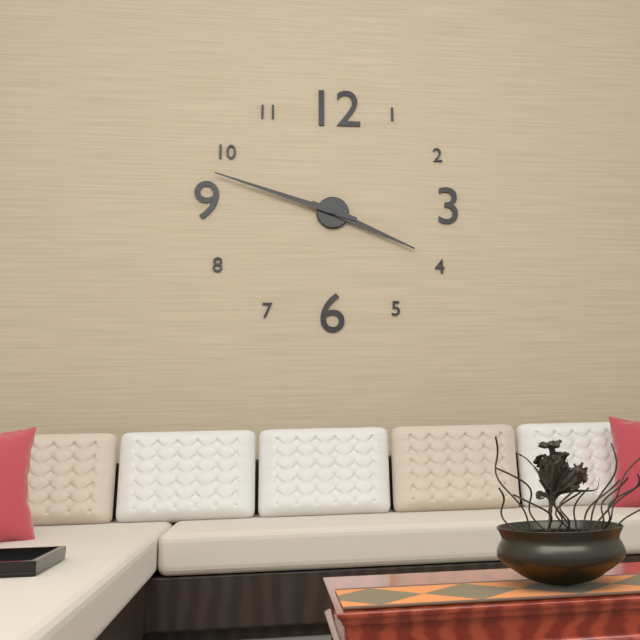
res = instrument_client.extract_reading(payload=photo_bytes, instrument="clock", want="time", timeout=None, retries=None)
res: 3:48
